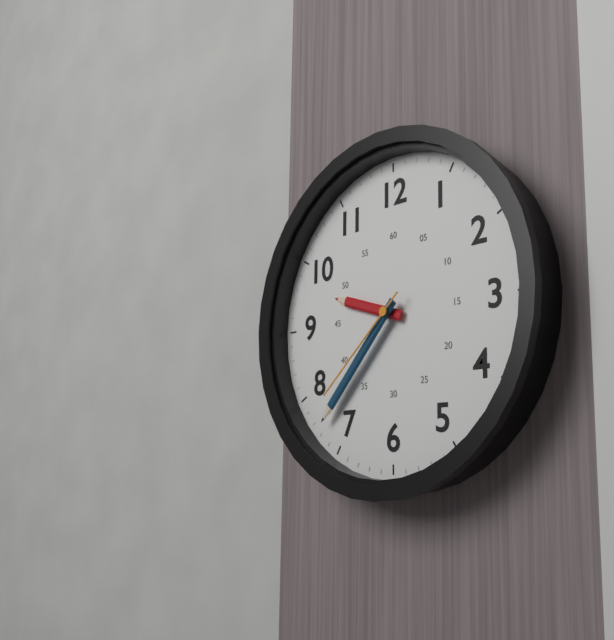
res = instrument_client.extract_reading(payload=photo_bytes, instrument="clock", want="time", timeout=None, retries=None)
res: 9:37:38
